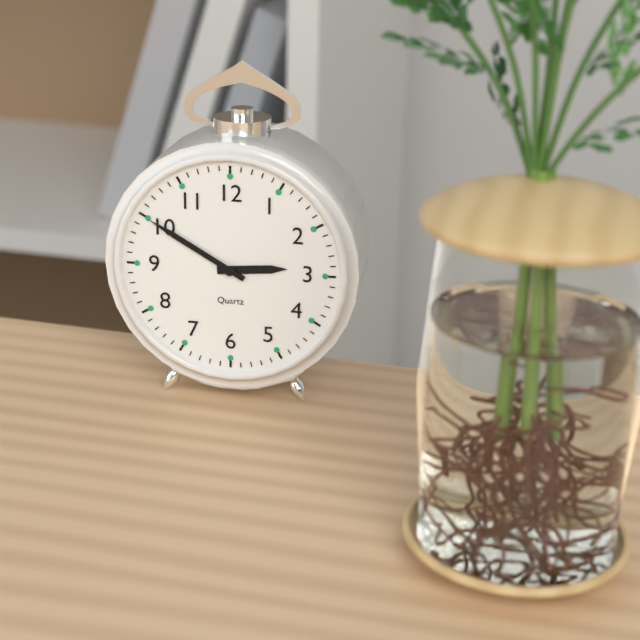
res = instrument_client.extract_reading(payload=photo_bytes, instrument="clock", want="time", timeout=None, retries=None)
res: 2:50
